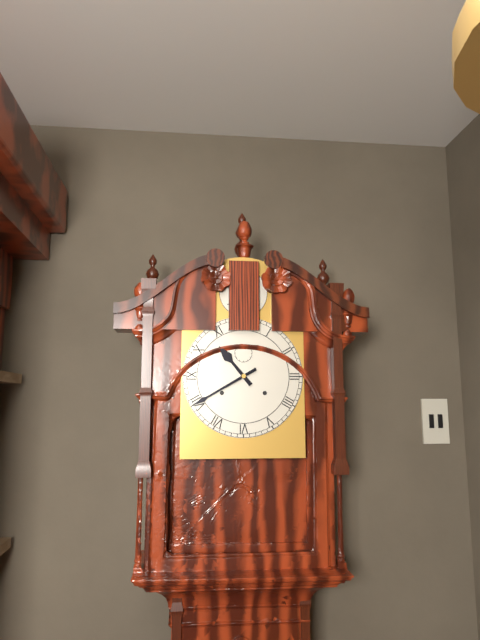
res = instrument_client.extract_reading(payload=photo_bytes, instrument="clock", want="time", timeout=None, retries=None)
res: 10:40
